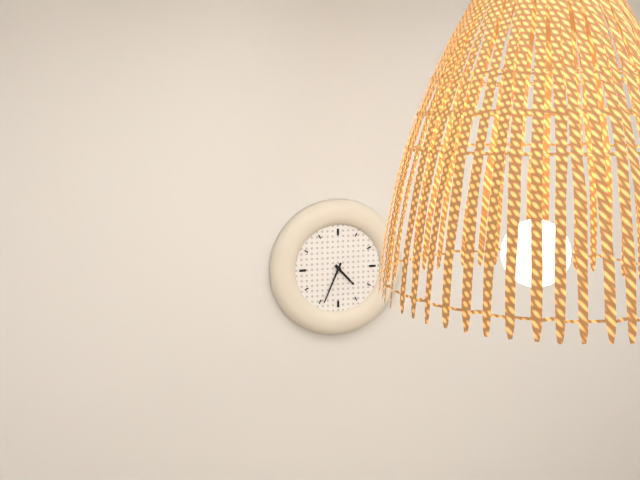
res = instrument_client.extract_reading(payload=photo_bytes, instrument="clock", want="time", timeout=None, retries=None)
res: 4:34
